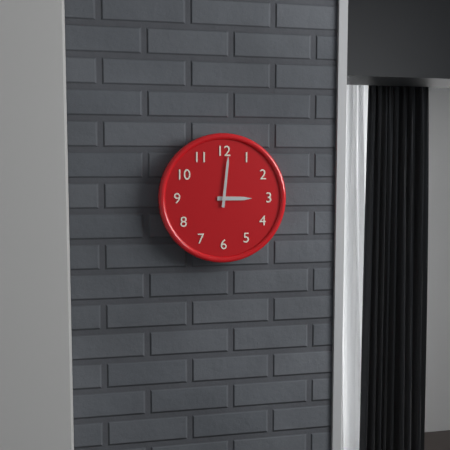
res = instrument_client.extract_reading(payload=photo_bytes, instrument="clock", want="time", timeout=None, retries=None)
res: 3:01
